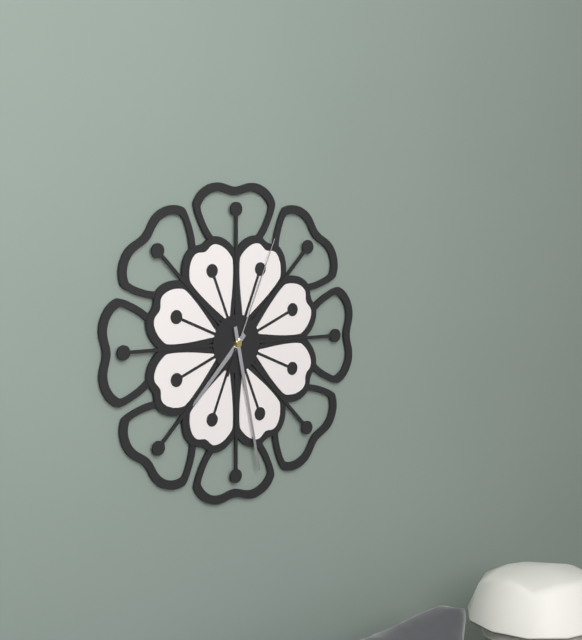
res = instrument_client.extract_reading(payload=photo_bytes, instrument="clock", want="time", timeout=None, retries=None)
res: 7:28:04
